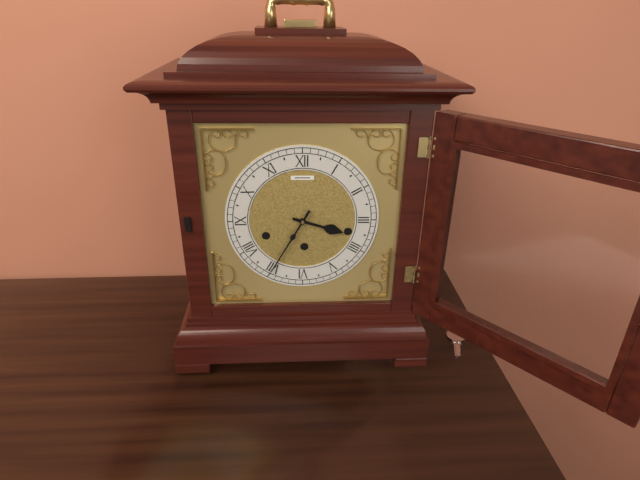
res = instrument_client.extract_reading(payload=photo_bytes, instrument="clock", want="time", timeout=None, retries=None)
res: 3:35
